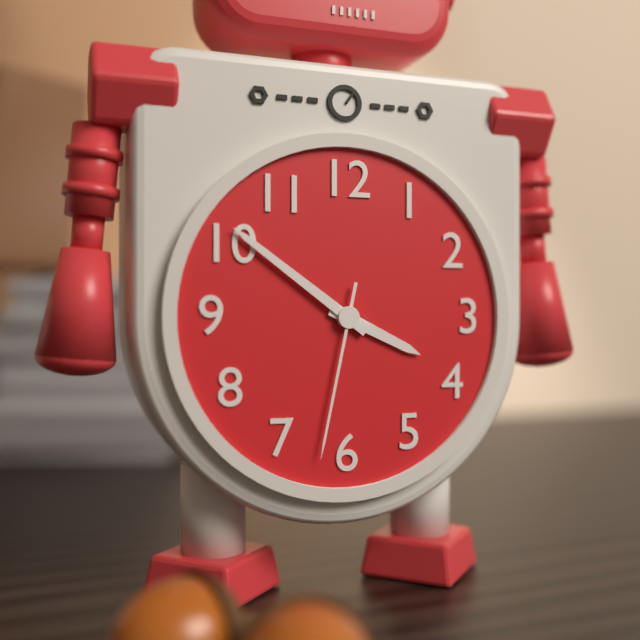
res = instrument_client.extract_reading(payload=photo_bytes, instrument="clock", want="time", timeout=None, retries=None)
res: 3:51:32
